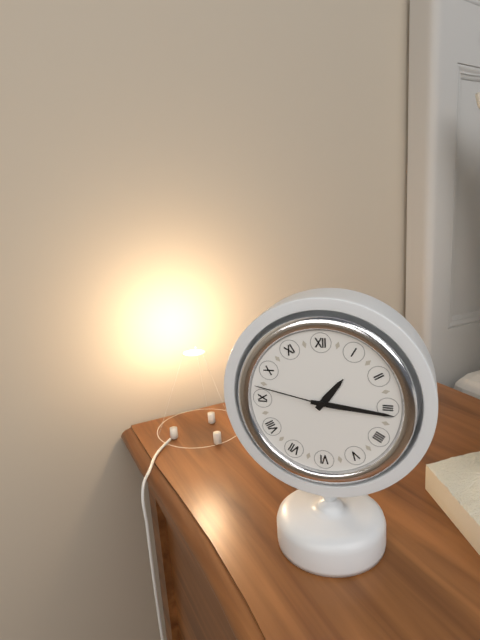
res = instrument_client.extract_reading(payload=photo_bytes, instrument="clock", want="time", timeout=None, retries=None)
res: 1:16:47
